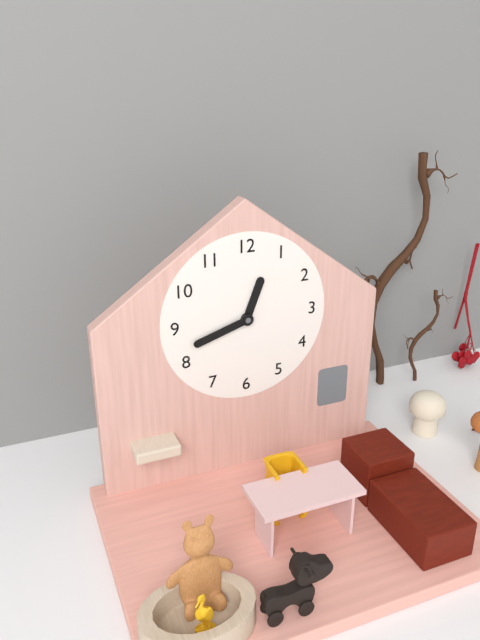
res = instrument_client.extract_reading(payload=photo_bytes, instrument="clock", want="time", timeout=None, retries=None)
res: 12:42
